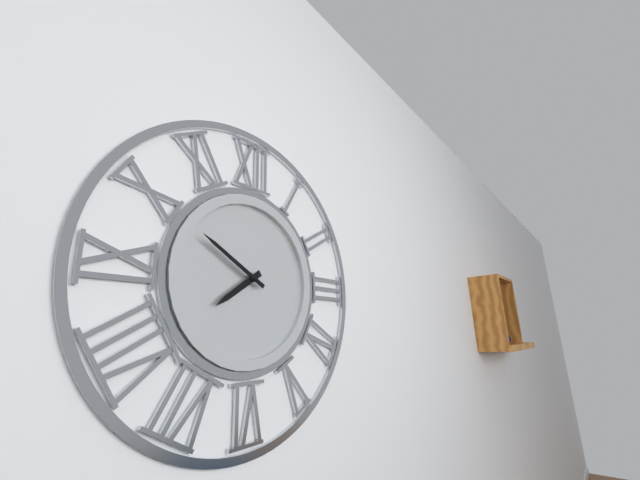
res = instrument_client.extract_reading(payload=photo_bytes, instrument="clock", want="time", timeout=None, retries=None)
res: 7:50
